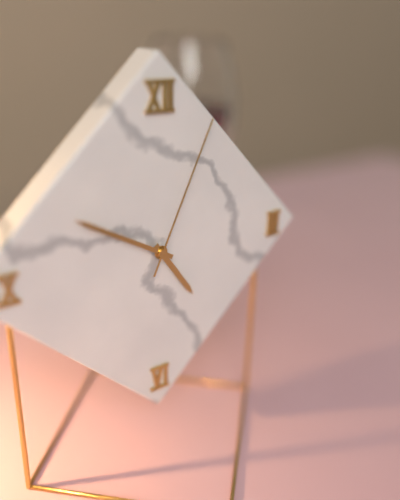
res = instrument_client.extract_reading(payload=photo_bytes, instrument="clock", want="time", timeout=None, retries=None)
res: 4:50:04
